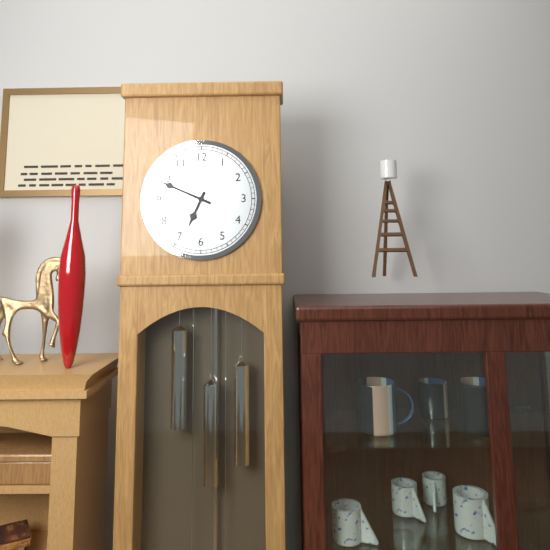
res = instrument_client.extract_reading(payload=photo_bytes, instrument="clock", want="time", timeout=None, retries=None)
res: 6:49
